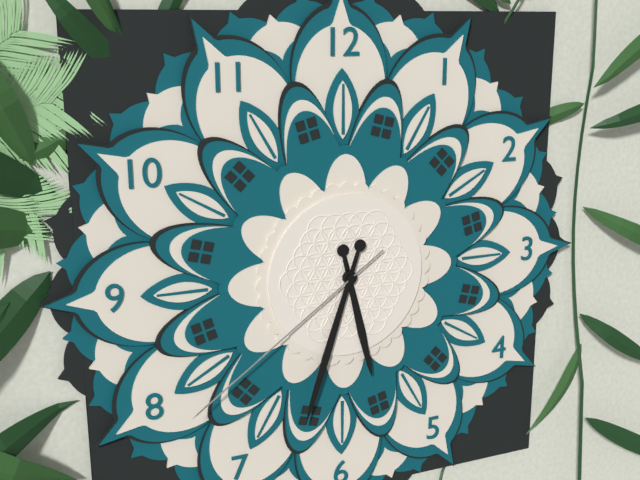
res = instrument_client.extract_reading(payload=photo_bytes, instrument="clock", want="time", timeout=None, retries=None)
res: 5:33:39
